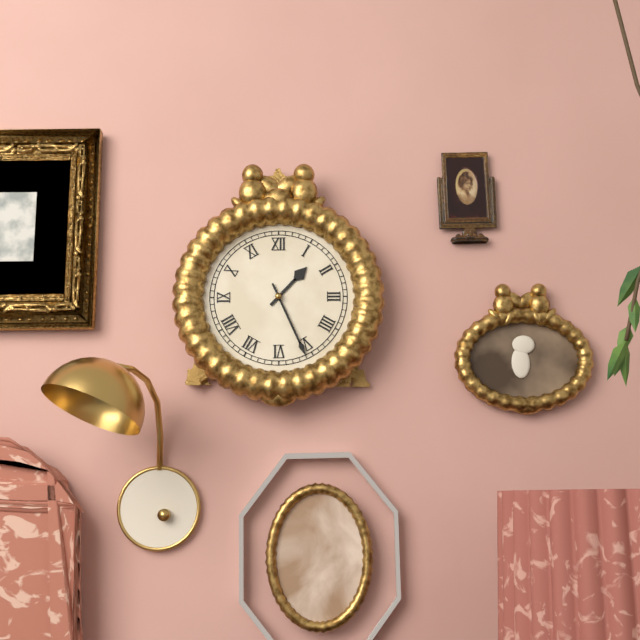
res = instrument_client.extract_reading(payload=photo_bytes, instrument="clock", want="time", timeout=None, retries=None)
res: 1:26
